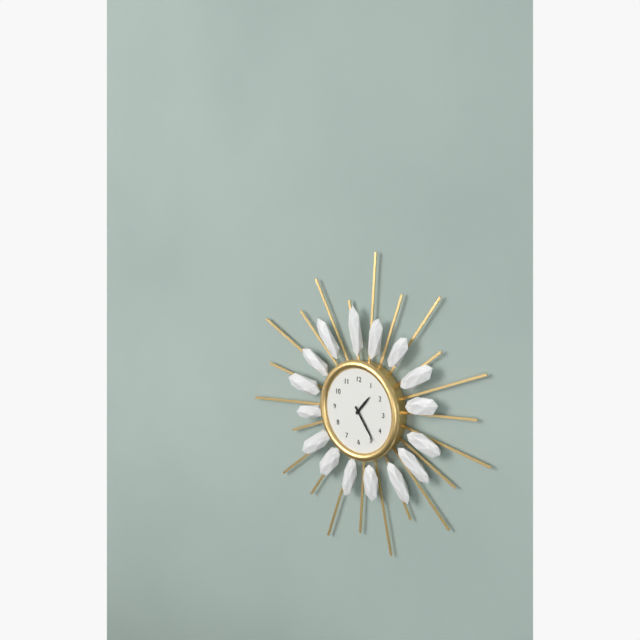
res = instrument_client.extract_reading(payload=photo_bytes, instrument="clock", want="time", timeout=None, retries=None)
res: 1:24
